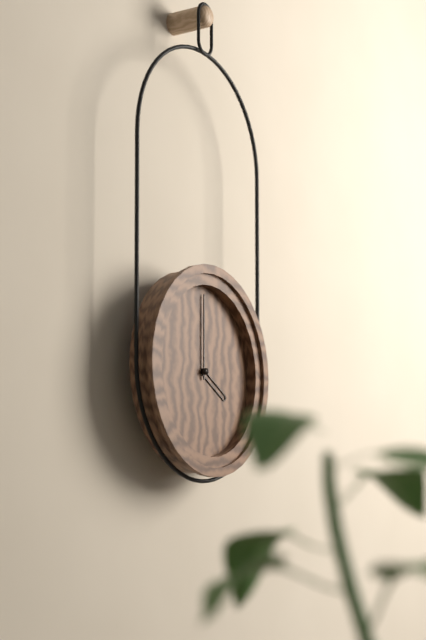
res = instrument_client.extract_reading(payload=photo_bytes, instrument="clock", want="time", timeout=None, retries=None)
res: 4:00
